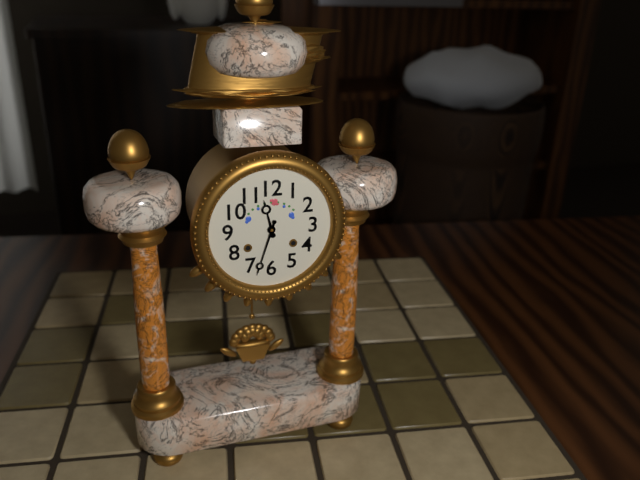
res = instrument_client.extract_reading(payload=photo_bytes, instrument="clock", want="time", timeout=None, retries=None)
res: 11:33
